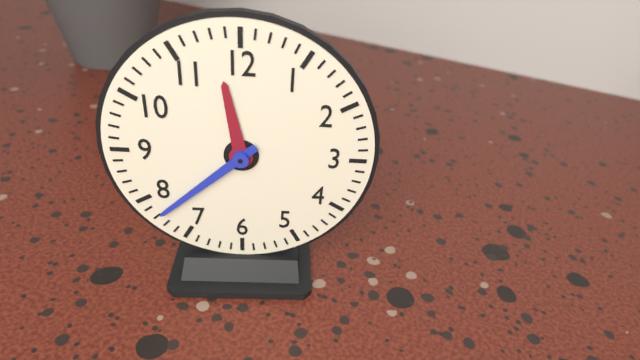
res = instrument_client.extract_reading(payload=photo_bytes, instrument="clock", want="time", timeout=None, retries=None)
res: 11:38
